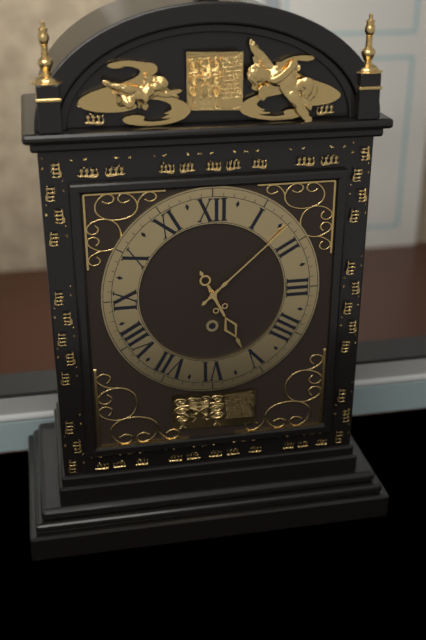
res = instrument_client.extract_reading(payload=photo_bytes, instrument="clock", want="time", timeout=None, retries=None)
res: 5:08
